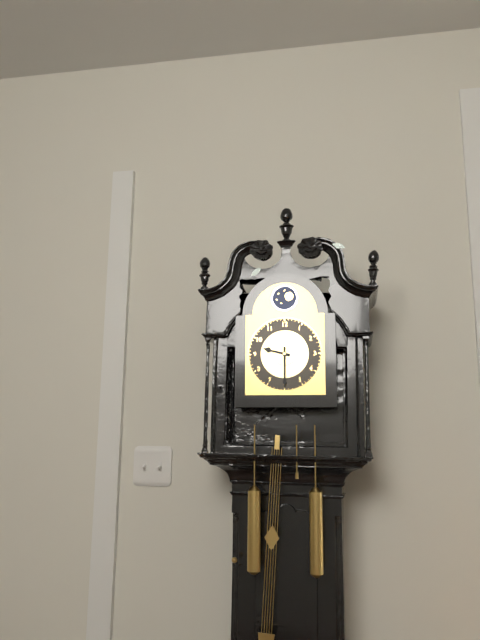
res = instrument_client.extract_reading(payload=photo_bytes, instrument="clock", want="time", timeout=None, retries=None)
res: 9:30
